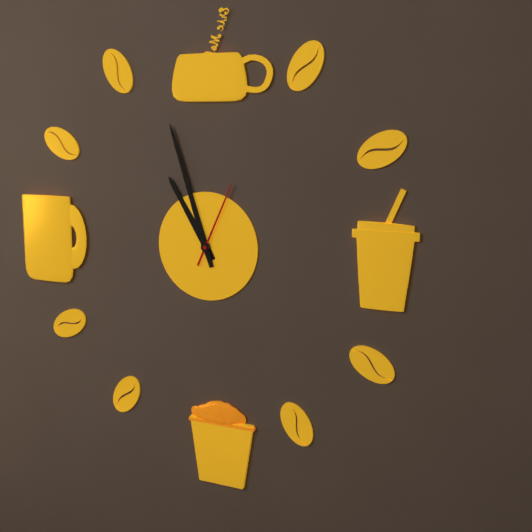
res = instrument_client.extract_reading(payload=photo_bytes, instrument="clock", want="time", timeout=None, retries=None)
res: 10:57:04
